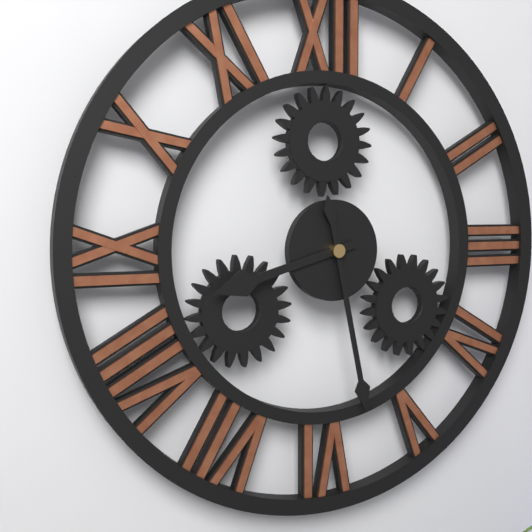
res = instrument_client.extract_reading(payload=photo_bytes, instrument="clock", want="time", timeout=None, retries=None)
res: 8:28
